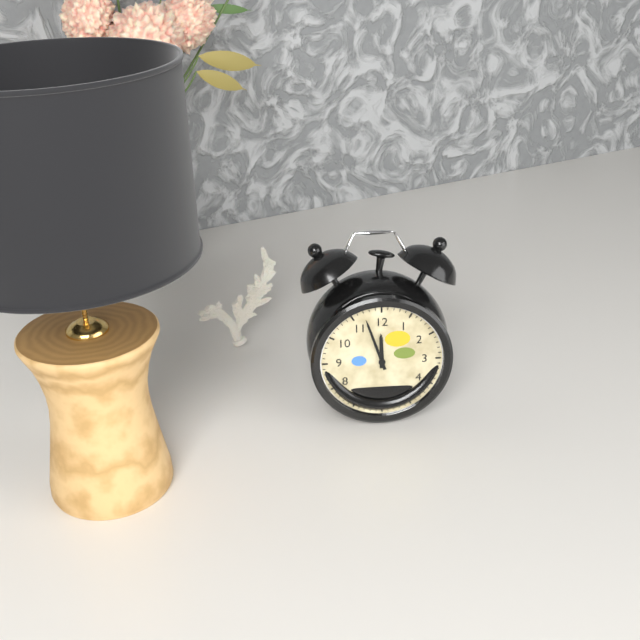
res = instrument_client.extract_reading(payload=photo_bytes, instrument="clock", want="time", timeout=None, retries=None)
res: 11:57
